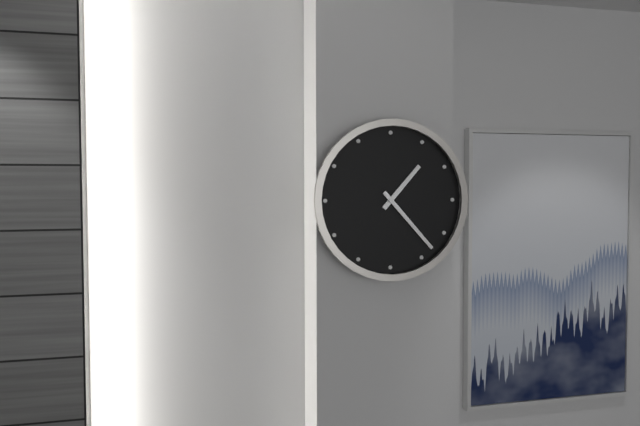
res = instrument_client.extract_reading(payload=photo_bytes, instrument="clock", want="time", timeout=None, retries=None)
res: 1:23
